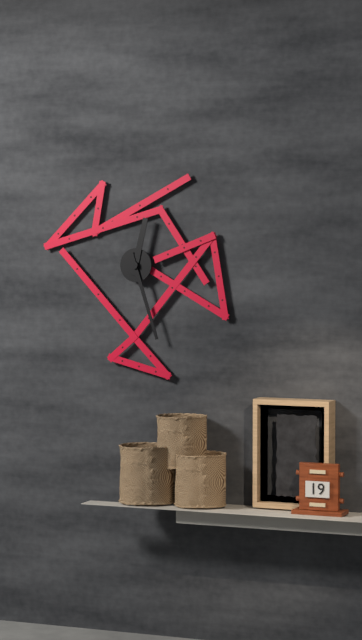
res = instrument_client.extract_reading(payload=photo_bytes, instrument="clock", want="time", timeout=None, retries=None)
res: 12:27
